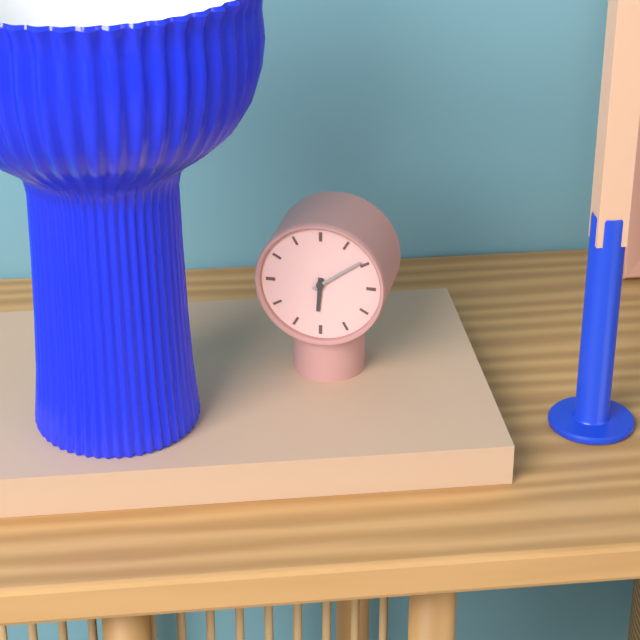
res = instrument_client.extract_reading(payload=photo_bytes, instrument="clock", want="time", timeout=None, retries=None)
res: 6:09
